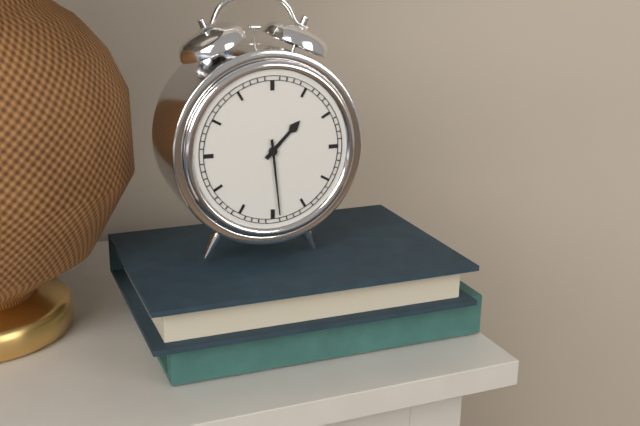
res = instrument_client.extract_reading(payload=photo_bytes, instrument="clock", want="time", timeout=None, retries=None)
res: 1:29
